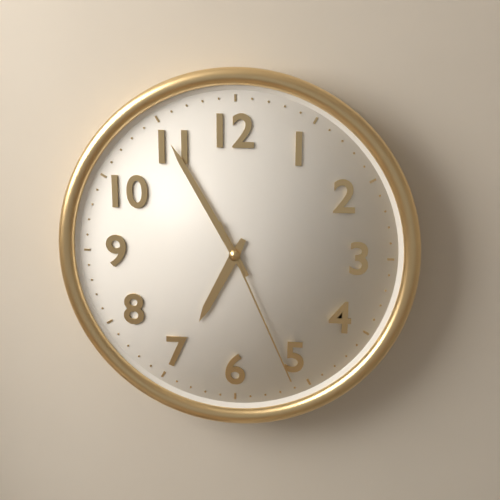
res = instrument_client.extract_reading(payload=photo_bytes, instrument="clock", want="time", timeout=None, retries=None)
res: 6:55:26
